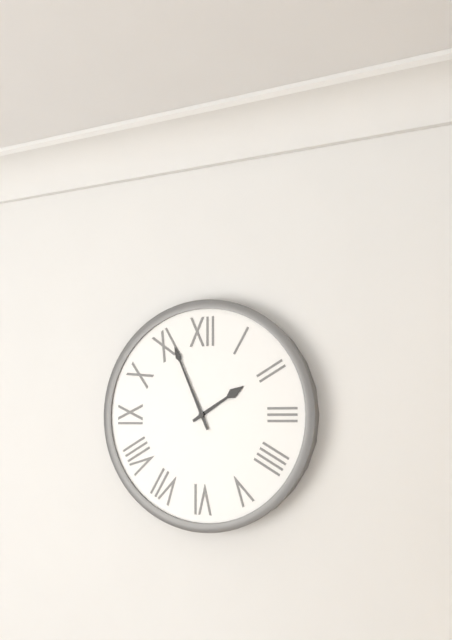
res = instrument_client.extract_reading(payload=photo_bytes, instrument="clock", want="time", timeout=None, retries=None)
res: 1:56
